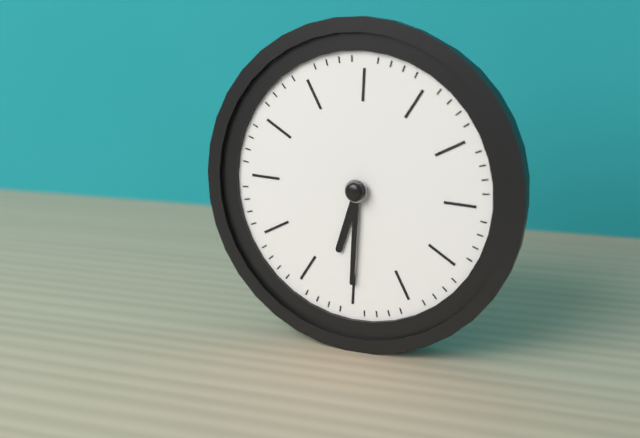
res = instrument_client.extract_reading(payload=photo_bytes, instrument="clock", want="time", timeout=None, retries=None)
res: 6:30
